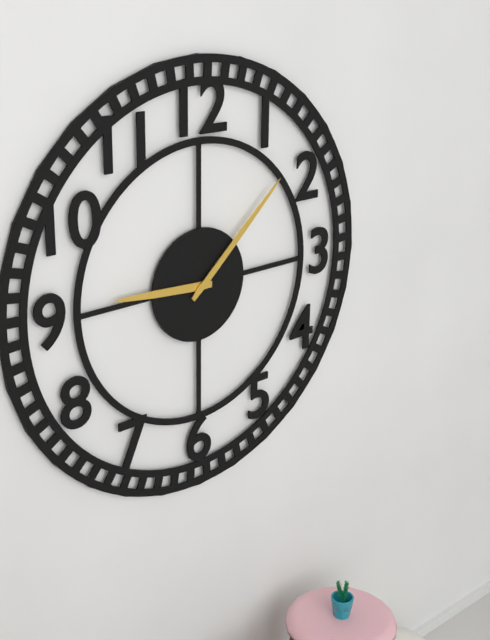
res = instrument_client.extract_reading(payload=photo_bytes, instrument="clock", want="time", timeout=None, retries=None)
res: 9:08
